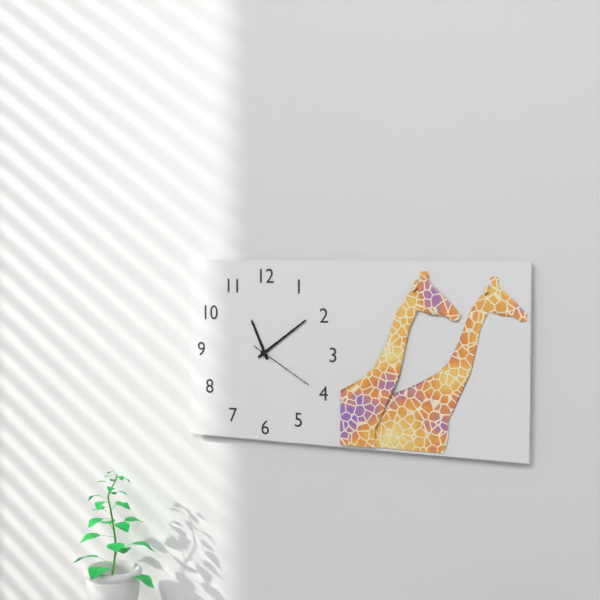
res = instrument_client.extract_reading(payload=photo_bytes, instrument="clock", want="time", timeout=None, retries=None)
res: 11:09:20
